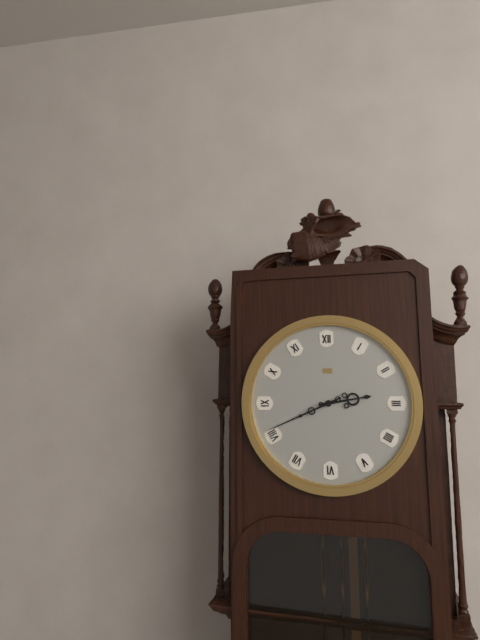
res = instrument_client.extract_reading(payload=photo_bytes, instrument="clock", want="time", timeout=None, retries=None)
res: 2:41
